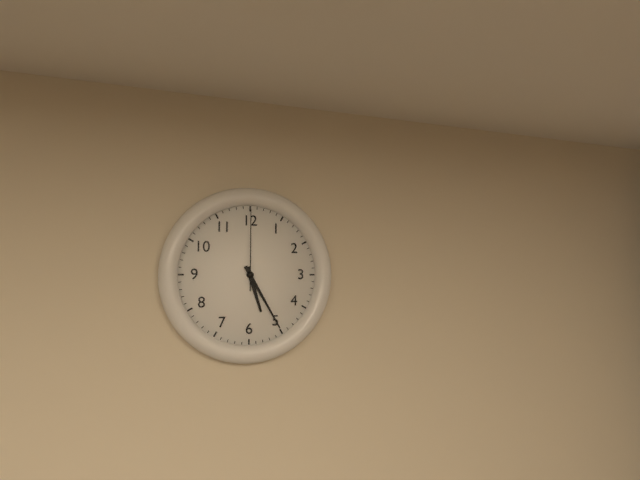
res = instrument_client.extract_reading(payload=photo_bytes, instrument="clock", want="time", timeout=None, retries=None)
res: 5:25:00
